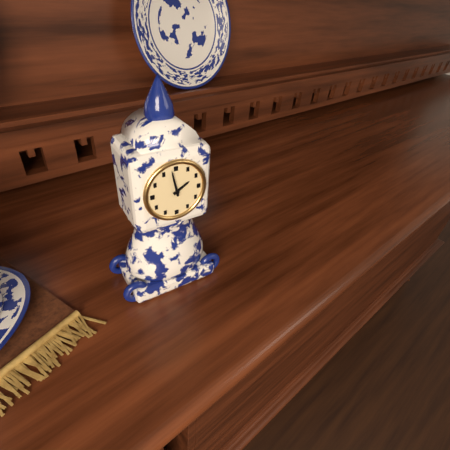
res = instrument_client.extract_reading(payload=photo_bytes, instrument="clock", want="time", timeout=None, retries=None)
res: 1:58
